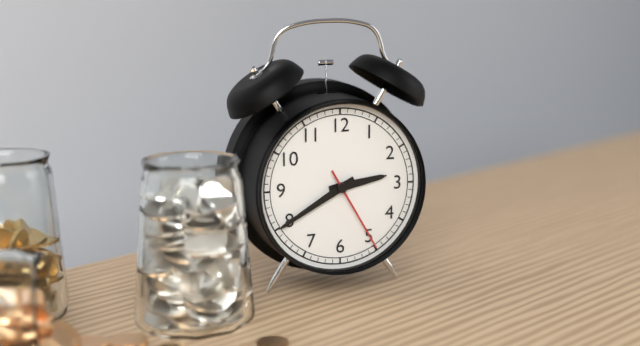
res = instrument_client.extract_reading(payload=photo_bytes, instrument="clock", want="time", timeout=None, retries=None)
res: 2:40:25
